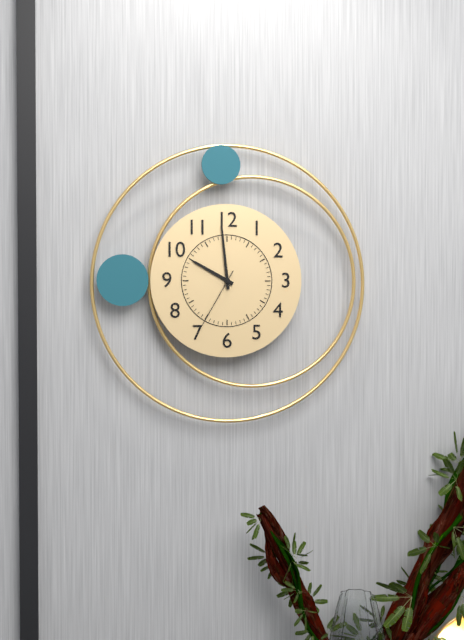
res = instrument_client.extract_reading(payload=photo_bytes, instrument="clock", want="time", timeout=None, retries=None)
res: 9:59:35
